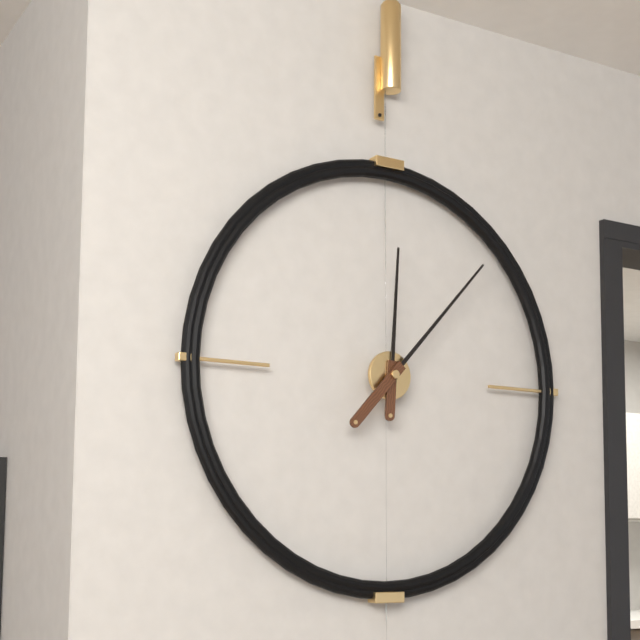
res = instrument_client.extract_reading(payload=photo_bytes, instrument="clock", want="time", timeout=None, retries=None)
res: 12:07
